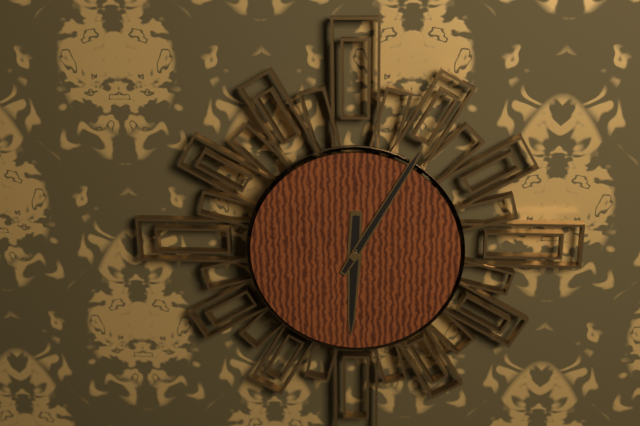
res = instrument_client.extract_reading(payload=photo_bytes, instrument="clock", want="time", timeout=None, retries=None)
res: 6:05
